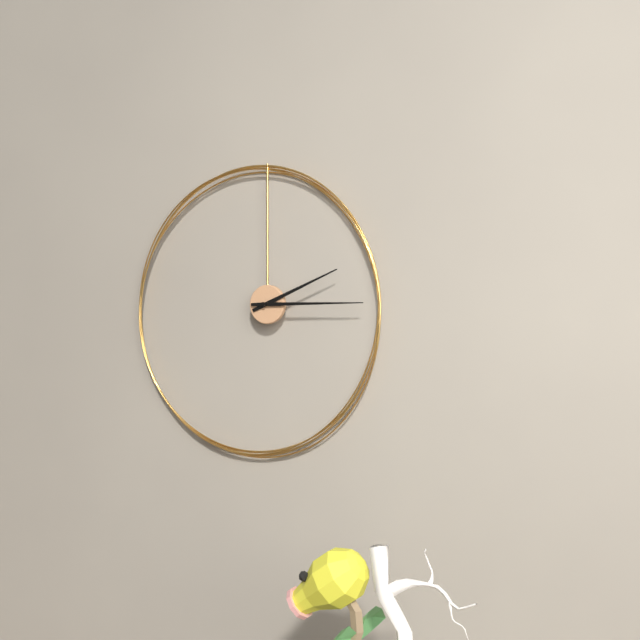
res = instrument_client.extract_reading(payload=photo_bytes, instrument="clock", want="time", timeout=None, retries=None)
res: 2:15
